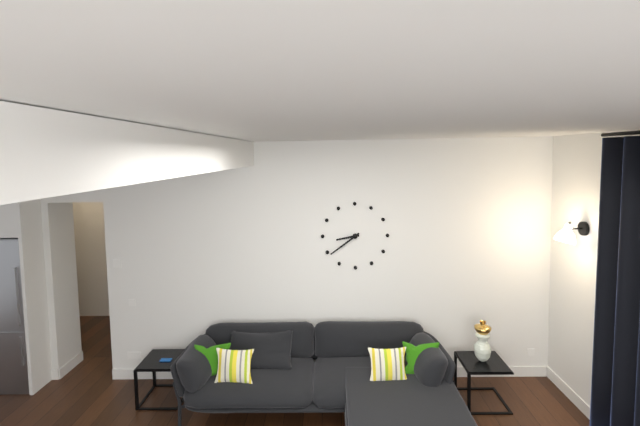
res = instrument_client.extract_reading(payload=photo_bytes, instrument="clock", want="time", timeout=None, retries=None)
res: 8:39
